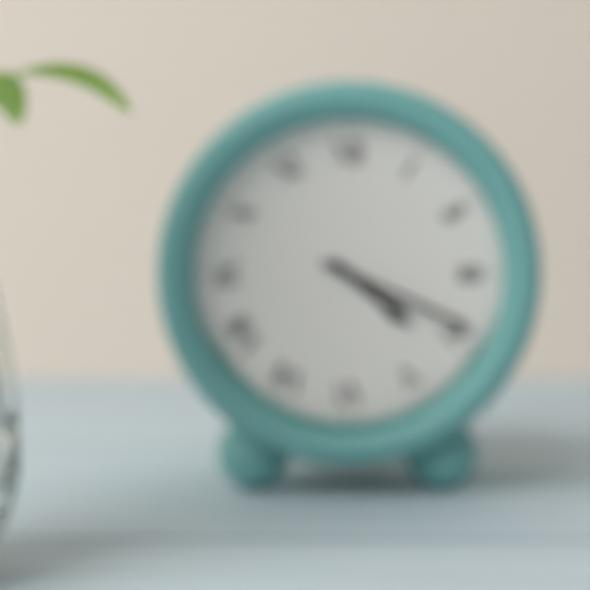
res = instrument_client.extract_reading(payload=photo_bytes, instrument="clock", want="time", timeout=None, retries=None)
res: 4:19
